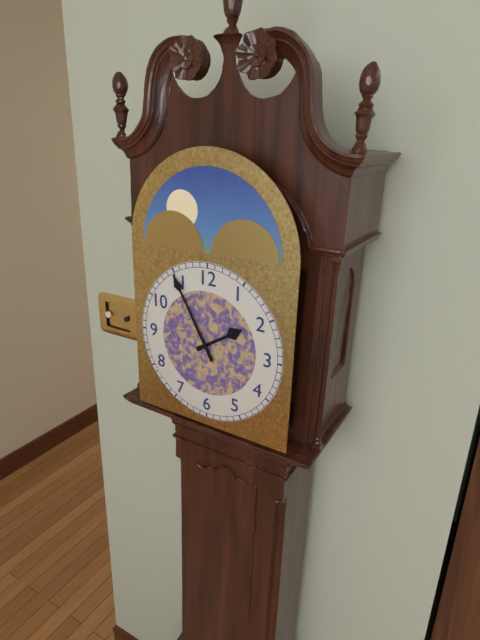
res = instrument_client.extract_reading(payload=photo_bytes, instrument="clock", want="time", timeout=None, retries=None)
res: 1:55
